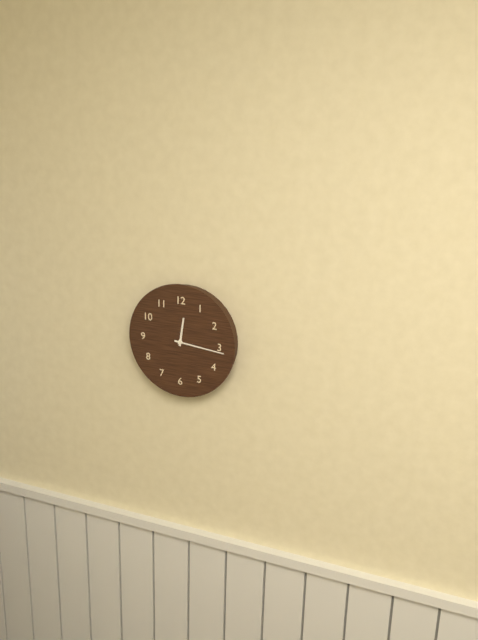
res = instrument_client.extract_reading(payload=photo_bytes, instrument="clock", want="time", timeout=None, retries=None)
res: 12:16
